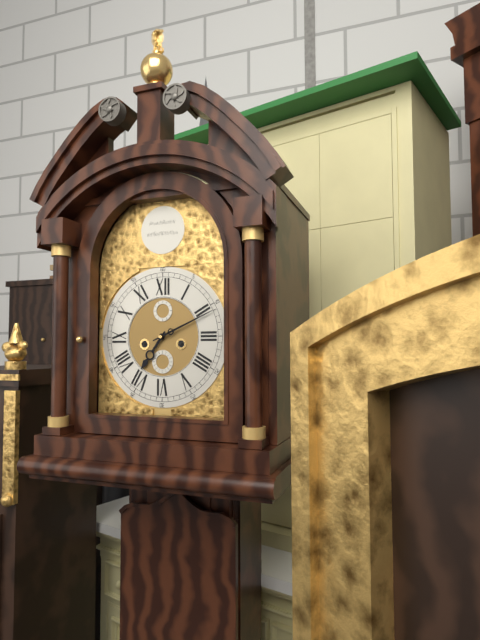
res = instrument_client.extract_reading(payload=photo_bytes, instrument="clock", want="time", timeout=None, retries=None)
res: 7:11
